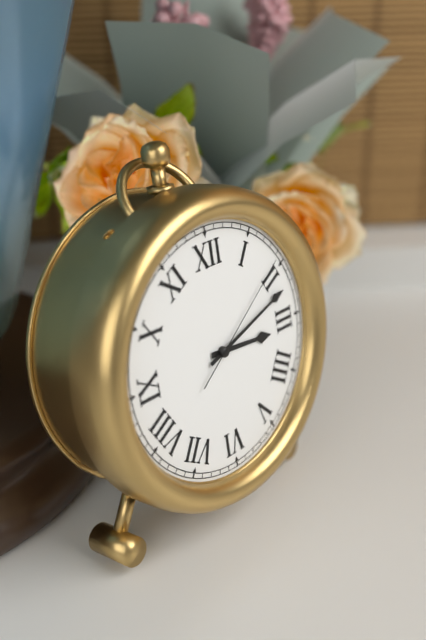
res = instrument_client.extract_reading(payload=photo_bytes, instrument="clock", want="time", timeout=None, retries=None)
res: 3:12:09
